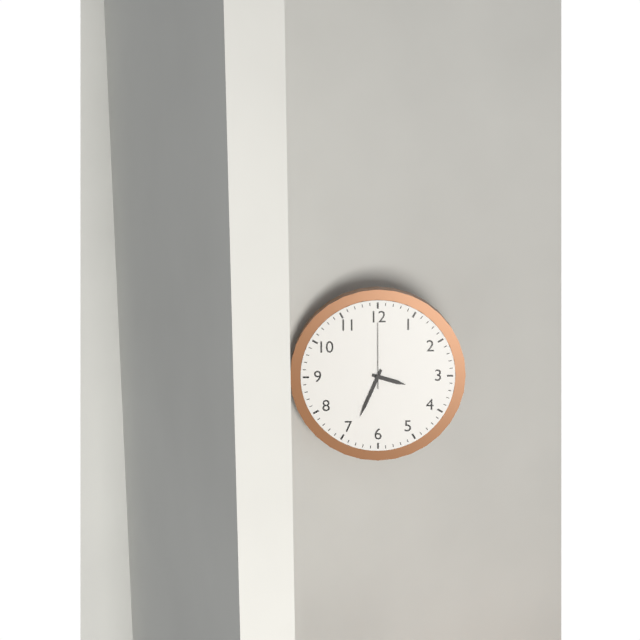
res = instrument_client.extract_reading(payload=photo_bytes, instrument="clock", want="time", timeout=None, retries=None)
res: 3:34:00
